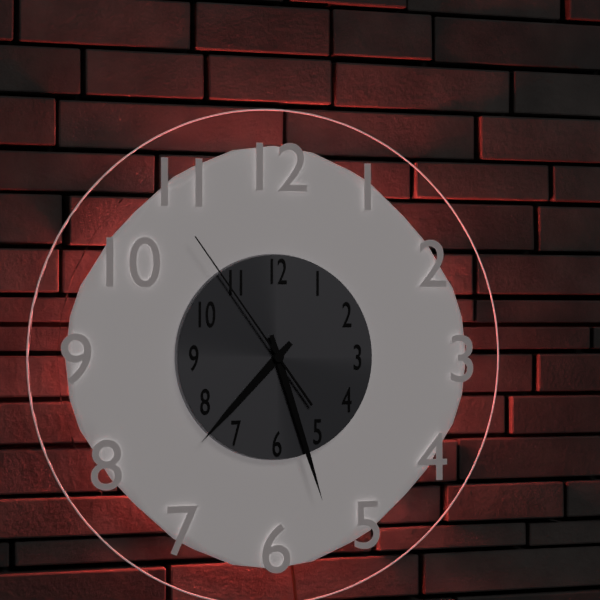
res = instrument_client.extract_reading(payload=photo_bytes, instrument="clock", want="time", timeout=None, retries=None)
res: 7:27:54
